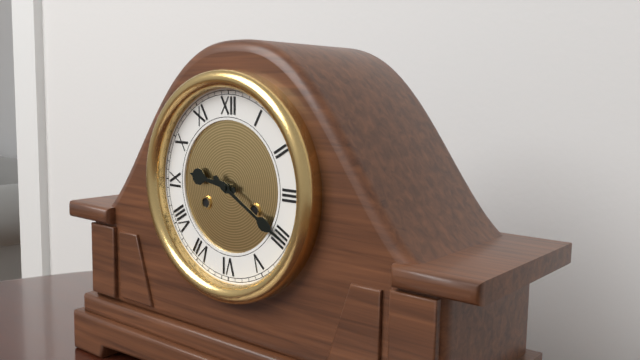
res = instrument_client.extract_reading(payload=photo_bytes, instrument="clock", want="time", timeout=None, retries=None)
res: 9:20
